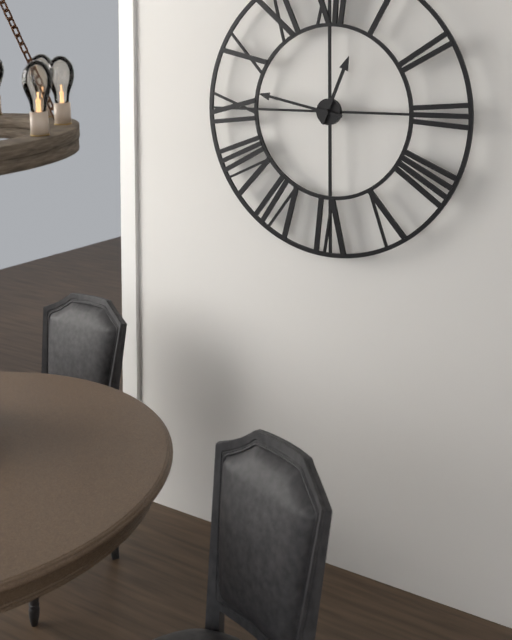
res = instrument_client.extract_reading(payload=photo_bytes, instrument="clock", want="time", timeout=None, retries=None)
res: 12:47
